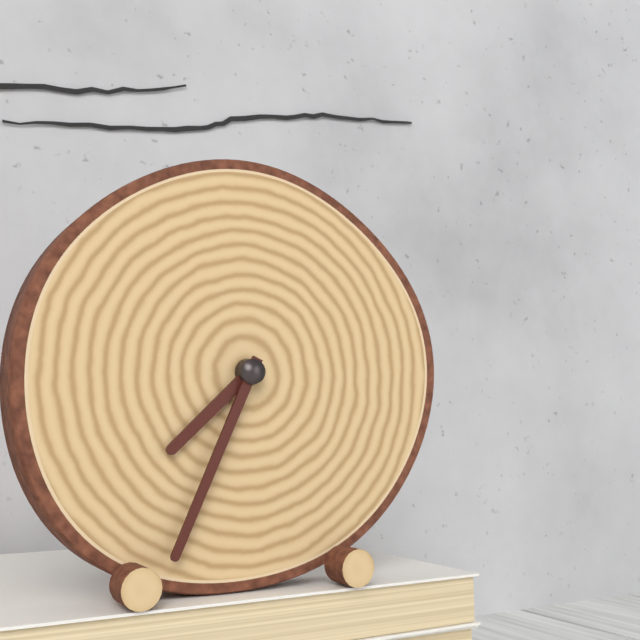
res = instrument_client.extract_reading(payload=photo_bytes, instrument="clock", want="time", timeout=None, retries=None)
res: 7:34
